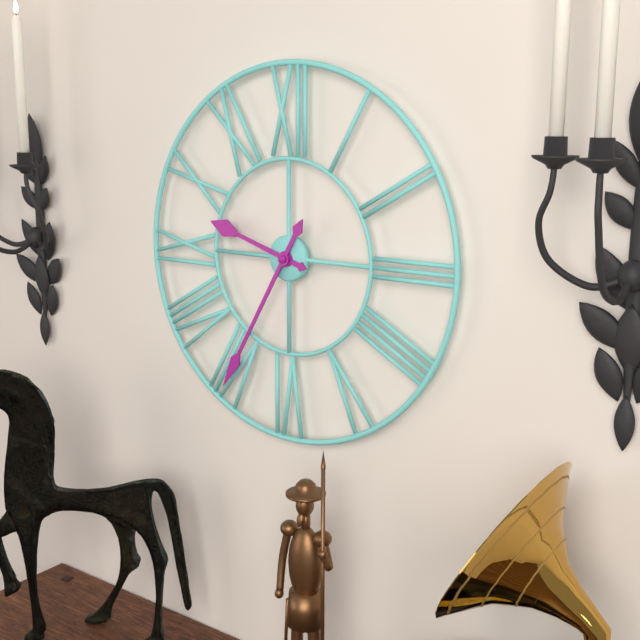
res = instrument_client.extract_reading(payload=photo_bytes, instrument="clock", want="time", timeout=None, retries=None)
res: 9:35
